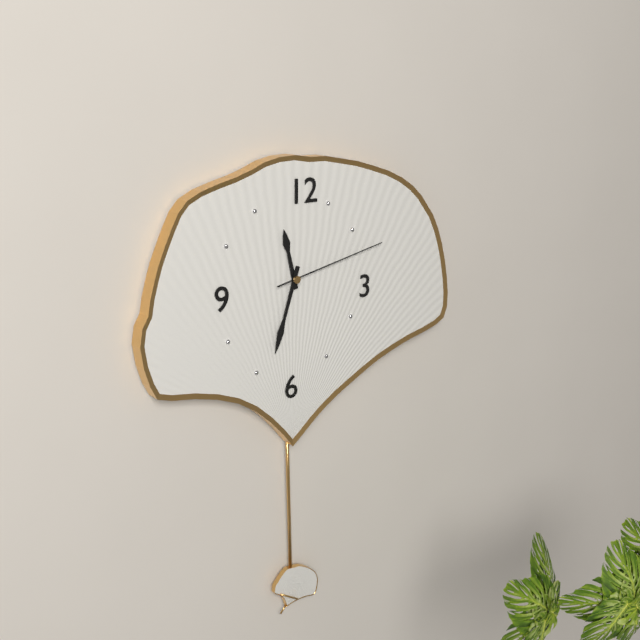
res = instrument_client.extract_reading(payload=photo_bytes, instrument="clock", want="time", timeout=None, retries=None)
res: 11:33:13
